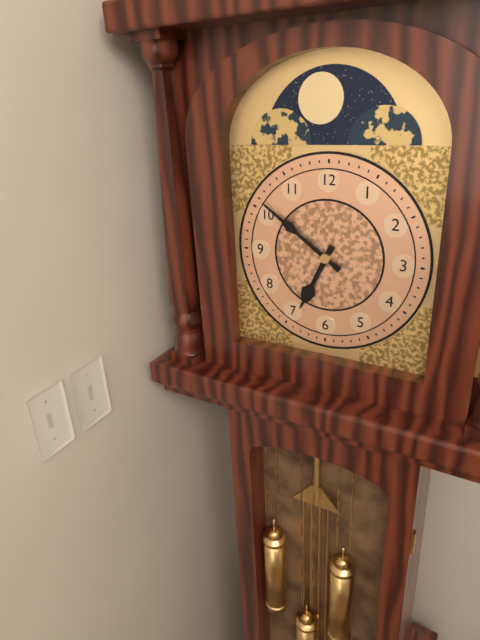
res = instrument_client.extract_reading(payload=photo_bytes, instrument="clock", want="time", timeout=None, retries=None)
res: 6:51
